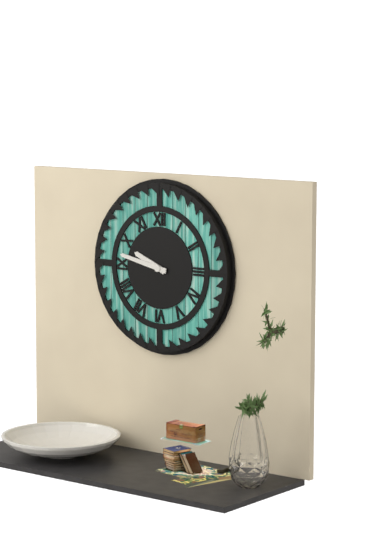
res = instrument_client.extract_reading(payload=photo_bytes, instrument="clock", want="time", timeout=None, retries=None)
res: 9:47
